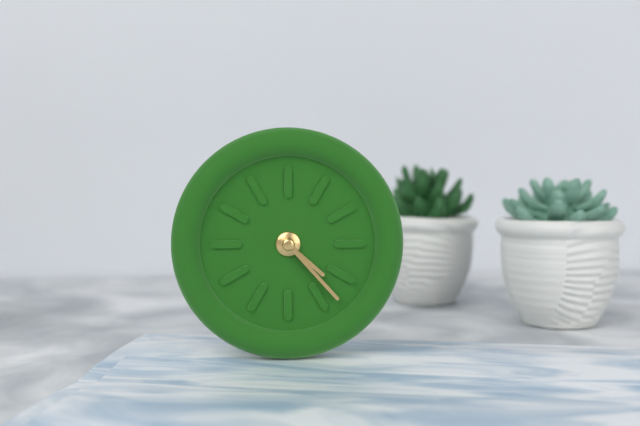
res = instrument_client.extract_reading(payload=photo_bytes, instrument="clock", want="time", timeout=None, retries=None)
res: 4:23
